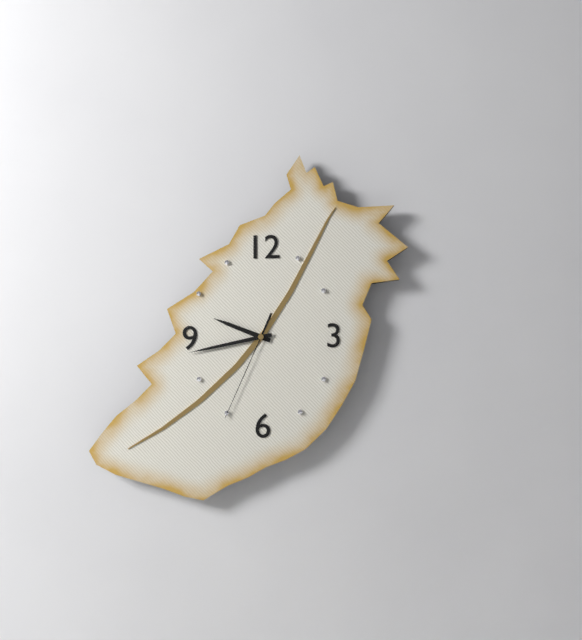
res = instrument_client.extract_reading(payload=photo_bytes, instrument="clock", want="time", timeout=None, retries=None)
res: 9:43:34
